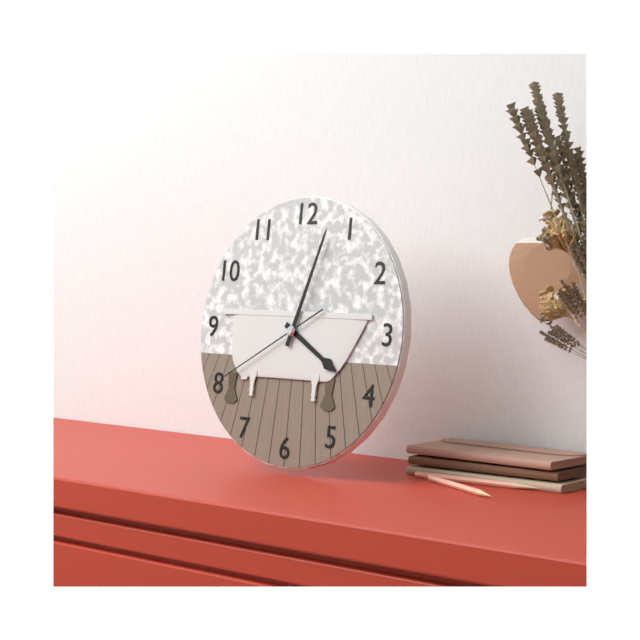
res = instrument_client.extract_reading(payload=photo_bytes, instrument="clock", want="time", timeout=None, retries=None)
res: 4:03:40
